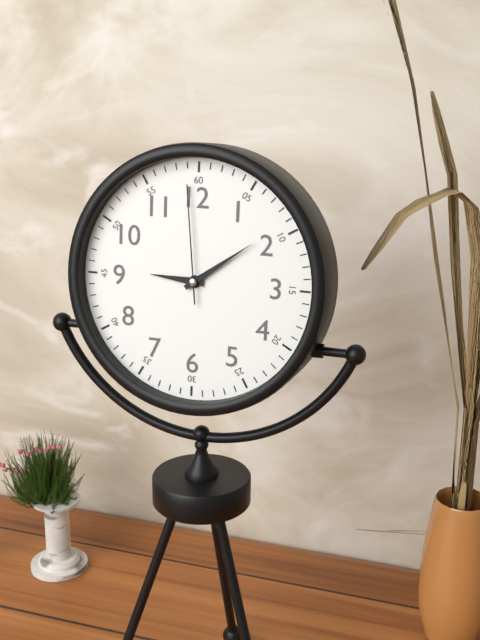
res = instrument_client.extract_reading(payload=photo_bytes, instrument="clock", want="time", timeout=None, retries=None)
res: 9:09:59
